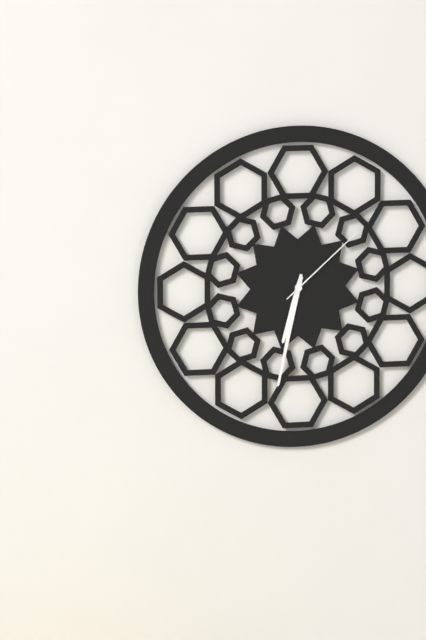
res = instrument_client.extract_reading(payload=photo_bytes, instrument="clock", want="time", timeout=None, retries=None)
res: 6:32:08
